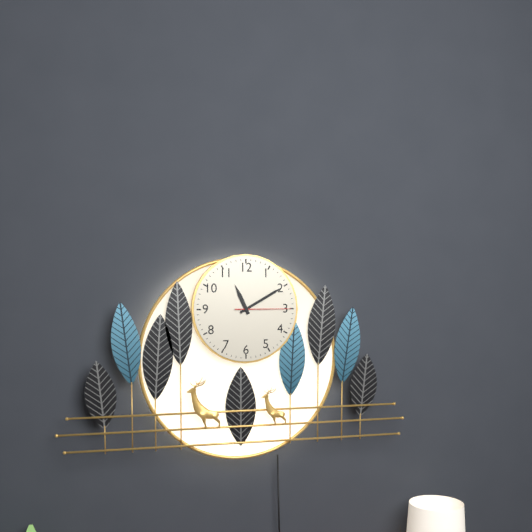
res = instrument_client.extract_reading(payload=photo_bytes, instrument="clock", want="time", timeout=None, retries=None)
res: 11:10:15
